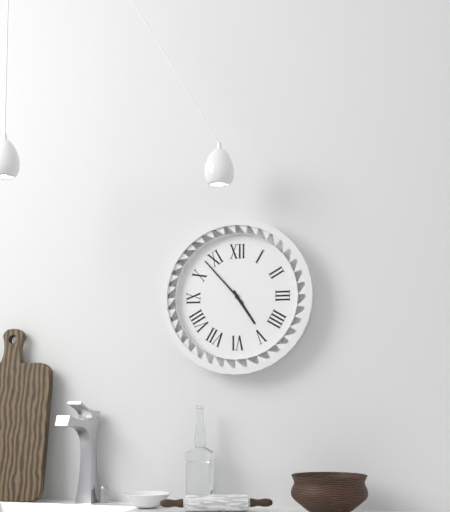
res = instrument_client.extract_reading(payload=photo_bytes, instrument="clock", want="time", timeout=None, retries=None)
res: 4:53
